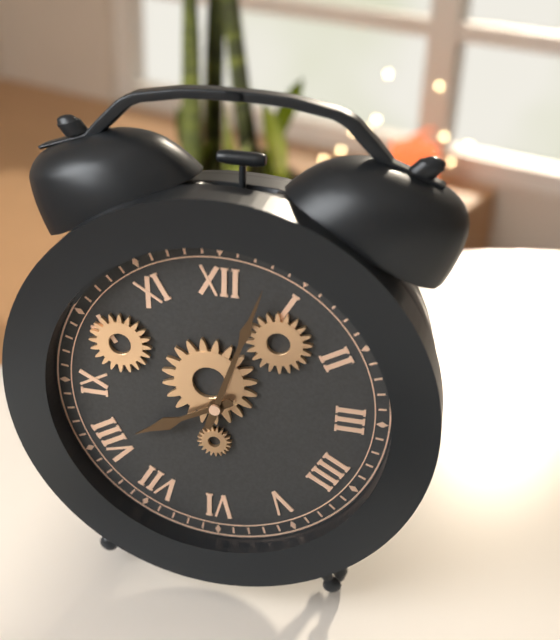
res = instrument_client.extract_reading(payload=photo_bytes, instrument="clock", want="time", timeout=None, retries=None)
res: 8:03
